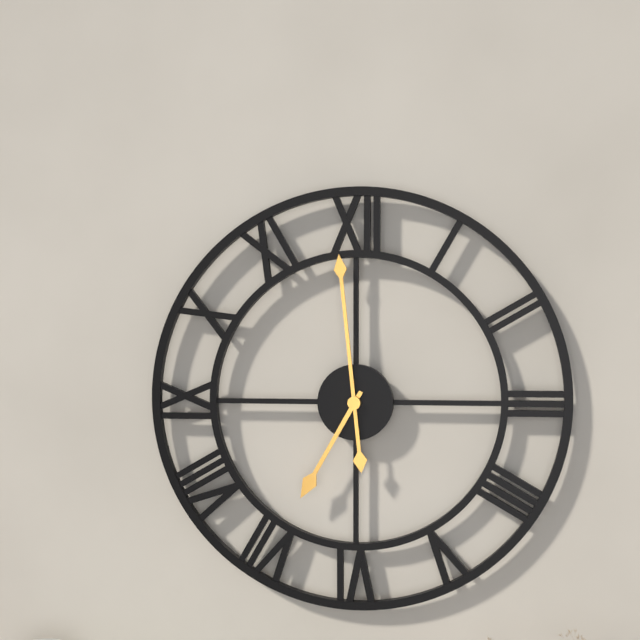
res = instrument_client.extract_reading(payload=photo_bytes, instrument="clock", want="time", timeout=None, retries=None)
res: 6:59
